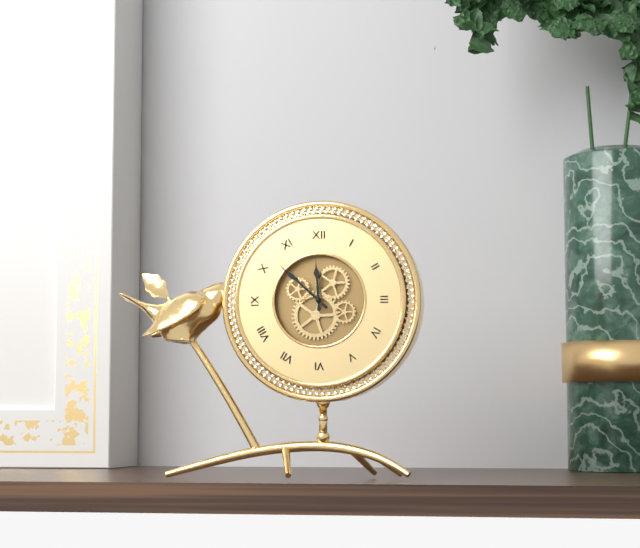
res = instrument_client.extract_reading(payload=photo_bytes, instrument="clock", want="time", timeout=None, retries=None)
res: 11:52
